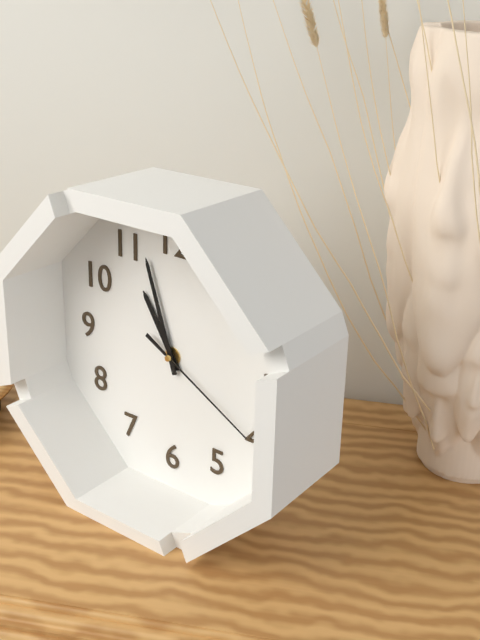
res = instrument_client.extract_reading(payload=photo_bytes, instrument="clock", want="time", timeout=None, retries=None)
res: 10:57:20
